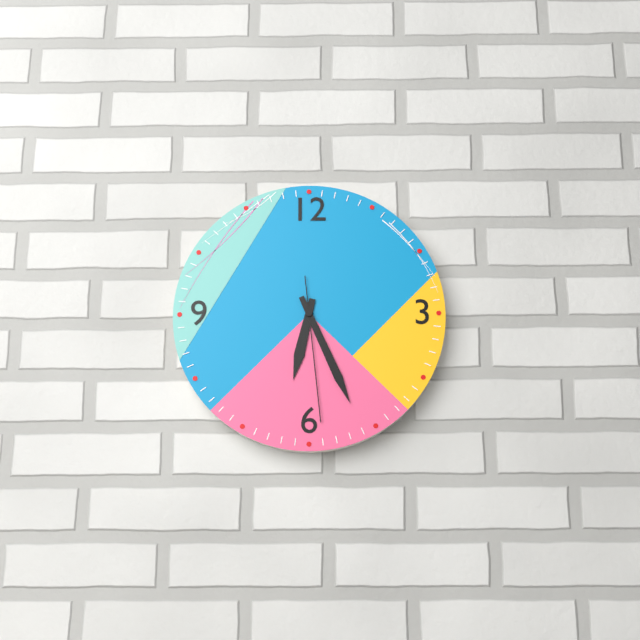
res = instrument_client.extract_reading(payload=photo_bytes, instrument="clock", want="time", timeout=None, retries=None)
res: 6:26:29
